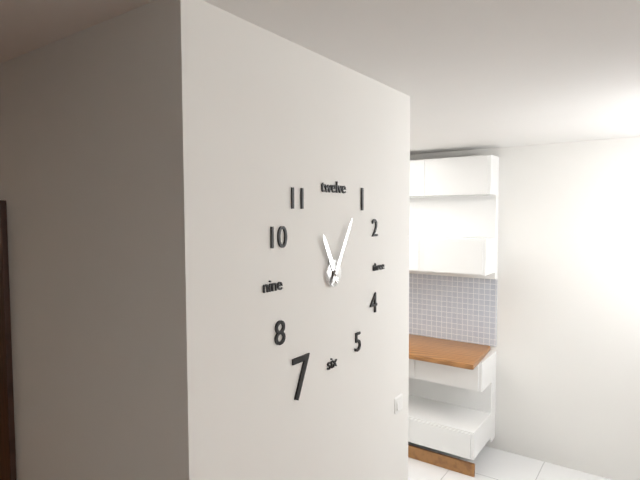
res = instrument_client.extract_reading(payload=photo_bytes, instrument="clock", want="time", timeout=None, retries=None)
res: 11:05
